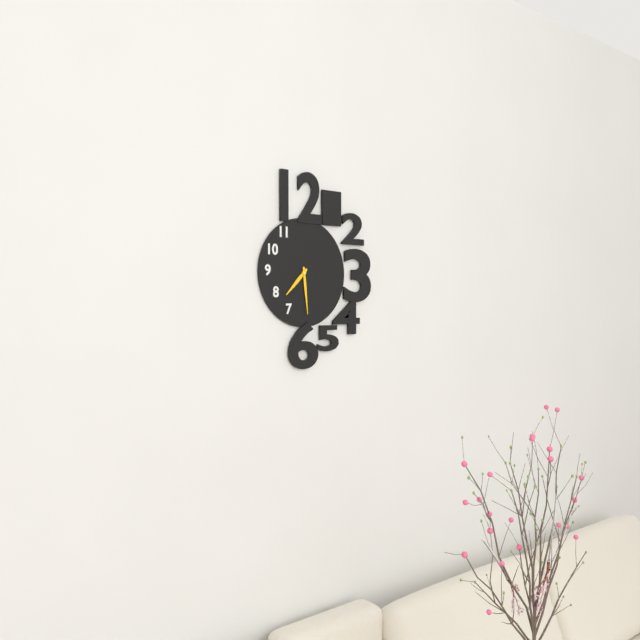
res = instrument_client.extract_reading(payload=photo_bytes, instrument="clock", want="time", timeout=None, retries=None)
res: 7:29
